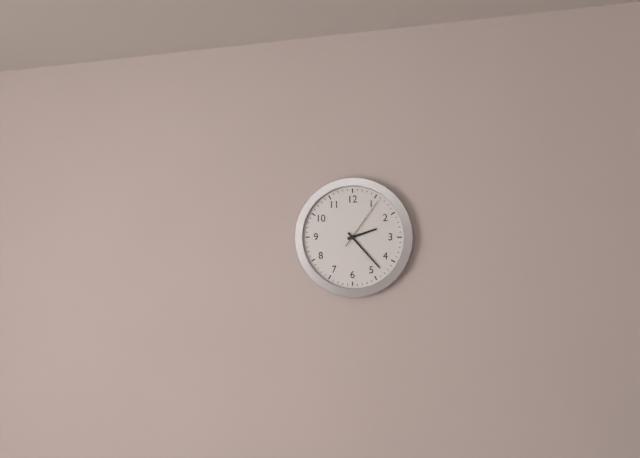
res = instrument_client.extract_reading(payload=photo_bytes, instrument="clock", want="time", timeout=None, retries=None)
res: 2:23:06
